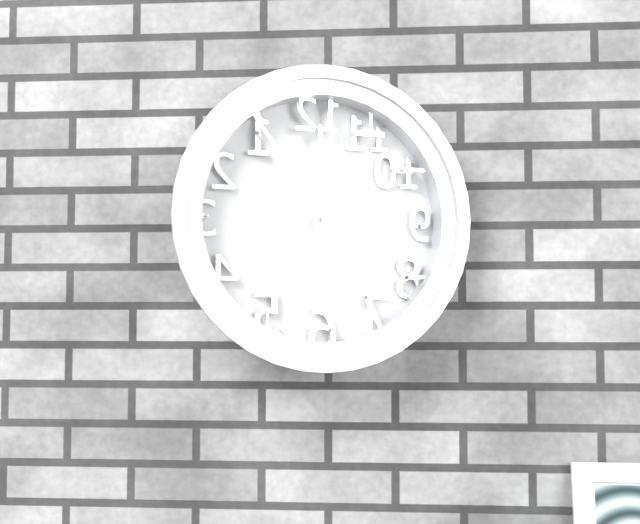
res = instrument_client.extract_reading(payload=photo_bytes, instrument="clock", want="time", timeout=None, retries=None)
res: 11:54
